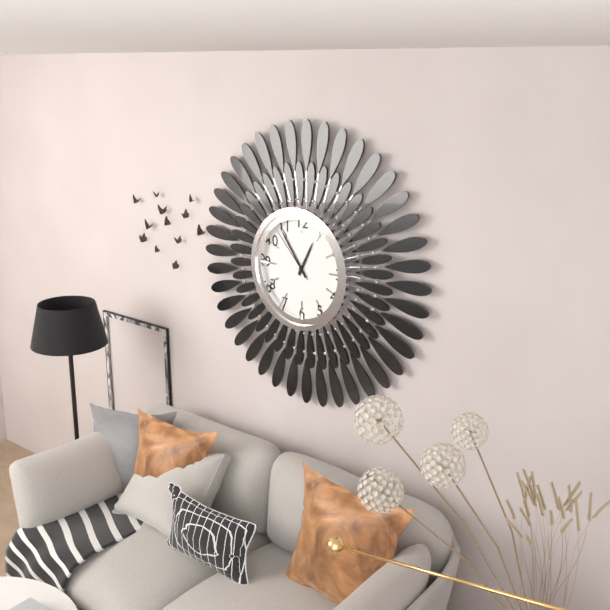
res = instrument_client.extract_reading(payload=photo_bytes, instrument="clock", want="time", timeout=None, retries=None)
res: 12:54:53
